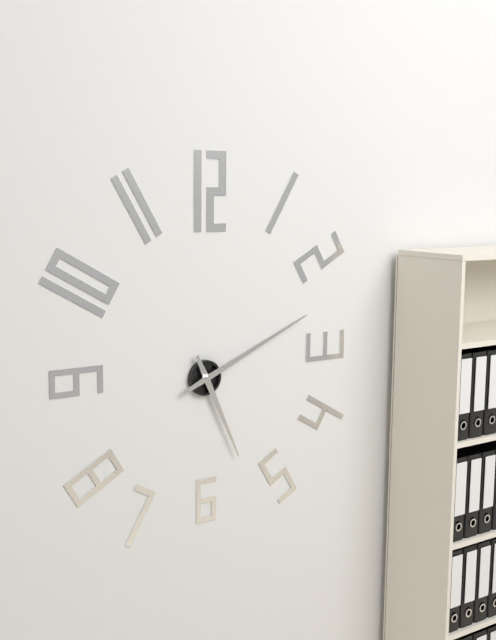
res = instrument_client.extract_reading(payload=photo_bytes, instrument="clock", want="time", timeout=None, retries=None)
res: 5:11
